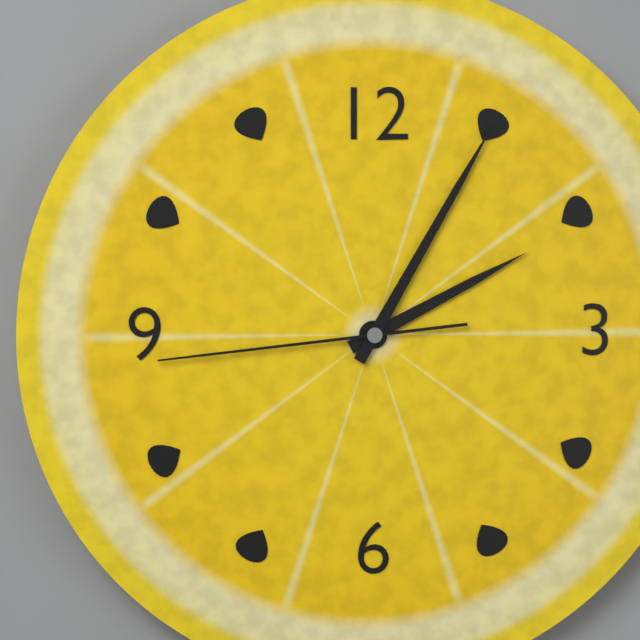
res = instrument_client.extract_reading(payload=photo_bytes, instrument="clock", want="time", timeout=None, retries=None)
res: 2:05:44
